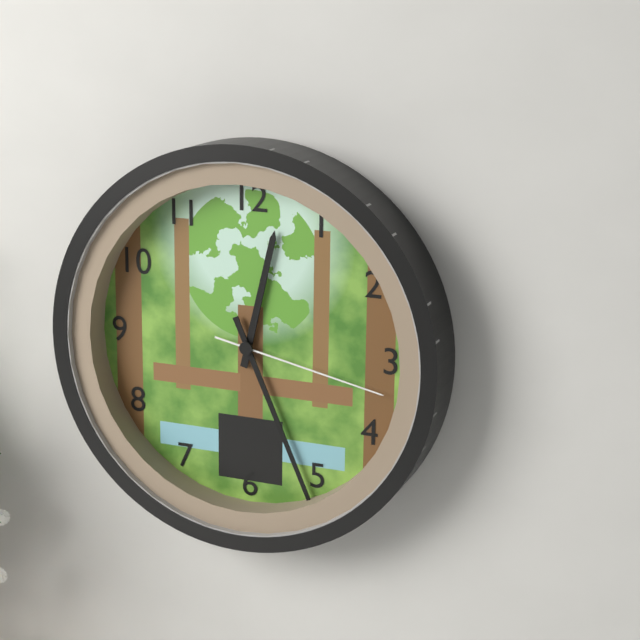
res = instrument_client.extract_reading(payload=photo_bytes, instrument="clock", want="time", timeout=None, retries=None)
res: 12:26:17
